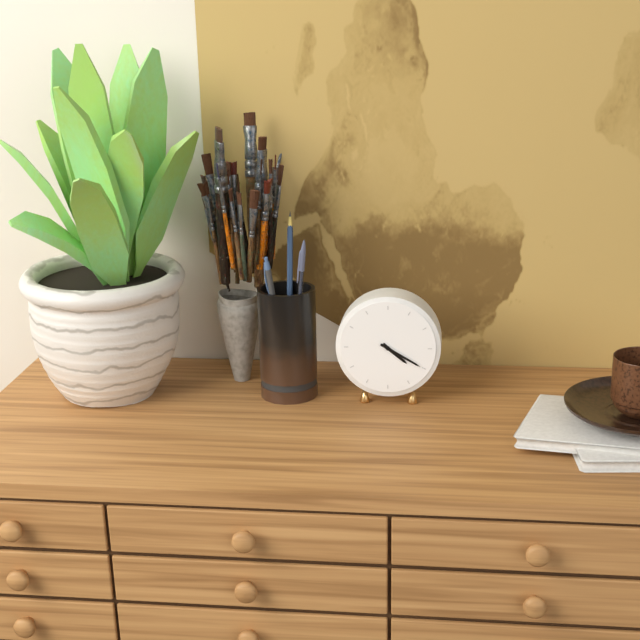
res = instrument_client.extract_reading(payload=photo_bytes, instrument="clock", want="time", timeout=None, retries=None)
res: 4:20
